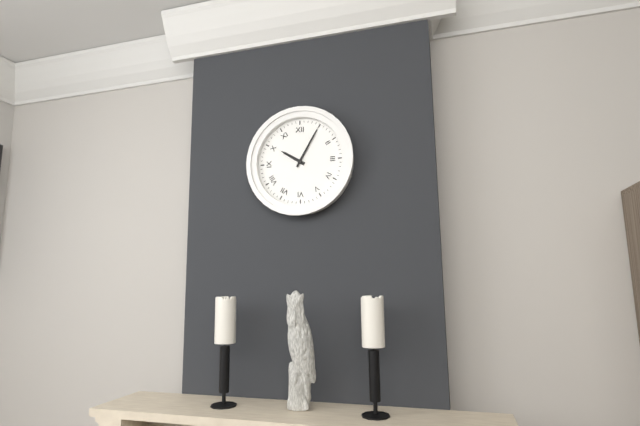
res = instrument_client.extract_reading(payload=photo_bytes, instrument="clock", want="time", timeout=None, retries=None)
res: 10:05
